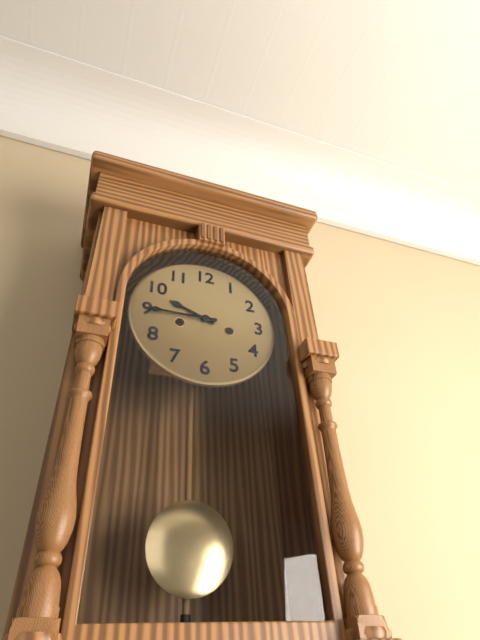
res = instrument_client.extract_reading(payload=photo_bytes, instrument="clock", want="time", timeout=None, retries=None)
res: 9:45
